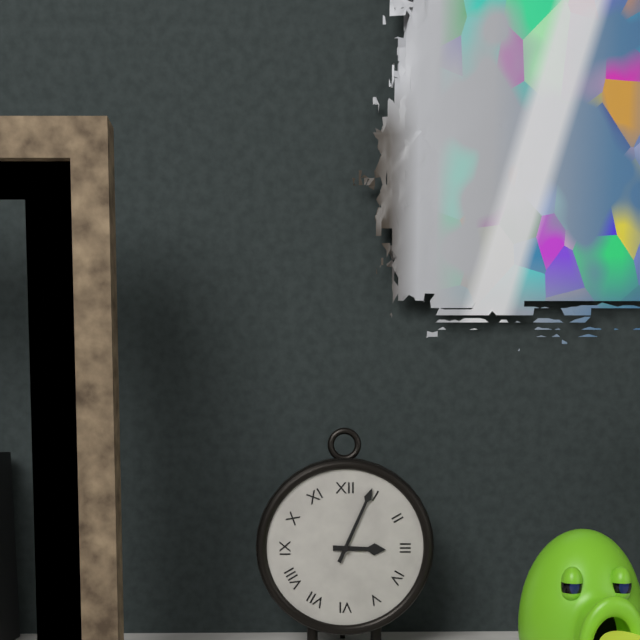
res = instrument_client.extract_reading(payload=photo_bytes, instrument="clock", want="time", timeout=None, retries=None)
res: 3:04
